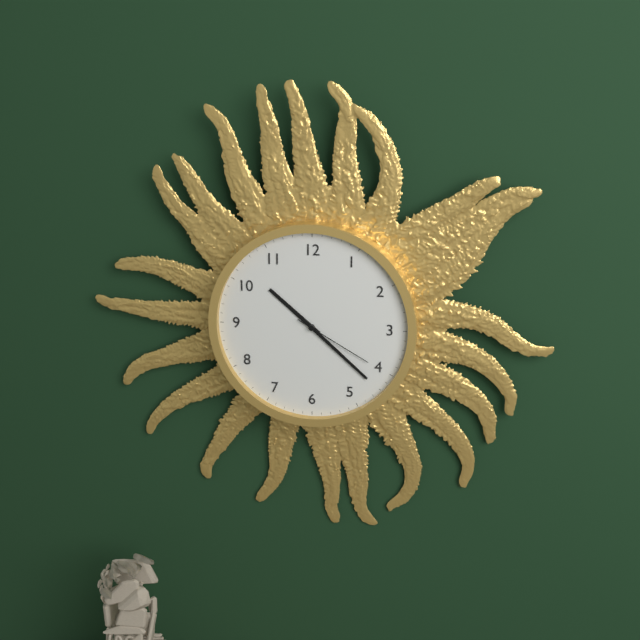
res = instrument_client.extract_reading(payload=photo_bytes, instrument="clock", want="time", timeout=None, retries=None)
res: 10:22:20
